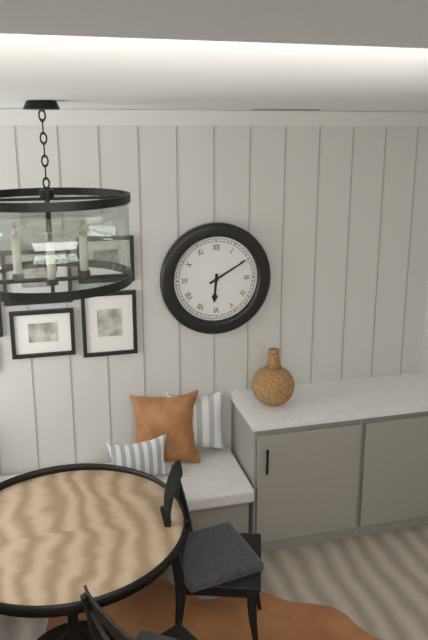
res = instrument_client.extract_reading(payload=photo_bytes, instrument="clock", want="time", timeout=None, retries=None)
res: 6:10
